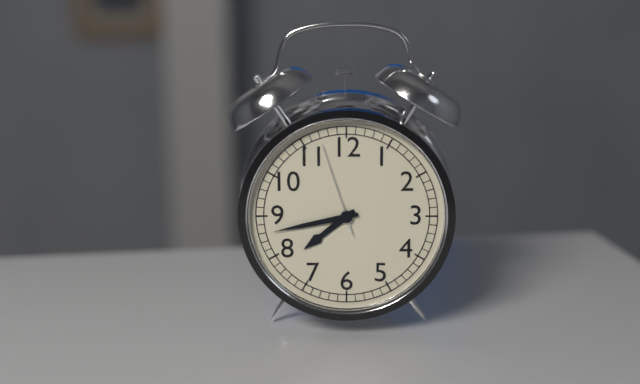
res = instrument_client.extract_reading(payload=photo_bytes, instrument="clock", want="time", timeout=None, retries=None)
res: 7:43:57
